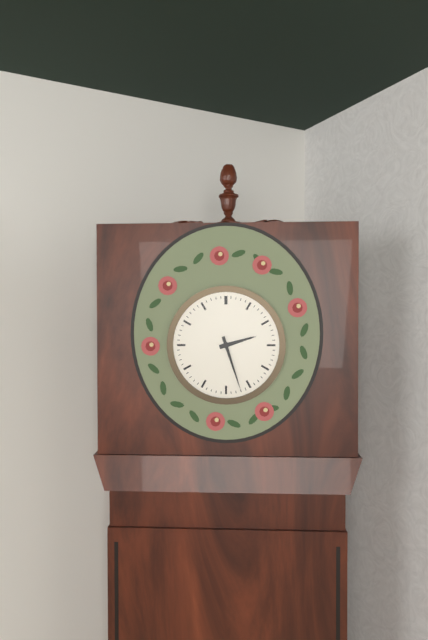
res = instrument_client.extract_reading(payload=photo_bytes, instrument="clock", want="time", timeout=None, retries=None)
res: 2:27
